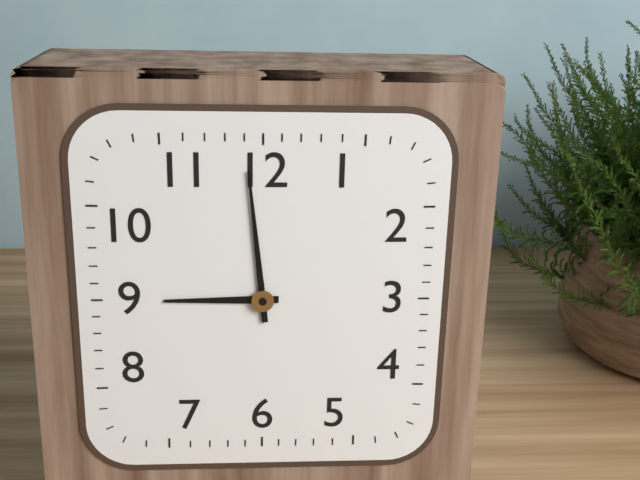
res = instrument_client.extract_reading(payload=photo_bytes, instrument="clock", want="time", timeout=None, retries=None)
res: 8:59
